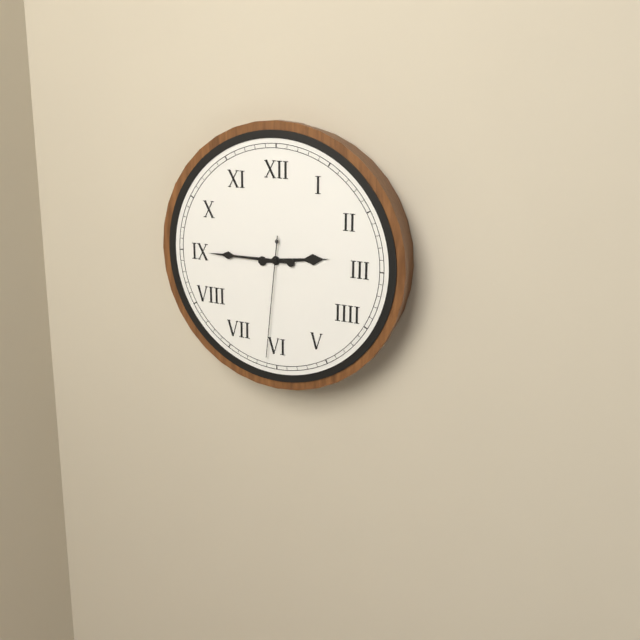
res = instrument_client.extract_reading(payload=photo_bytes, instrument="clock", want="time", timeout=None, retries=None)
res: 2:45:31
